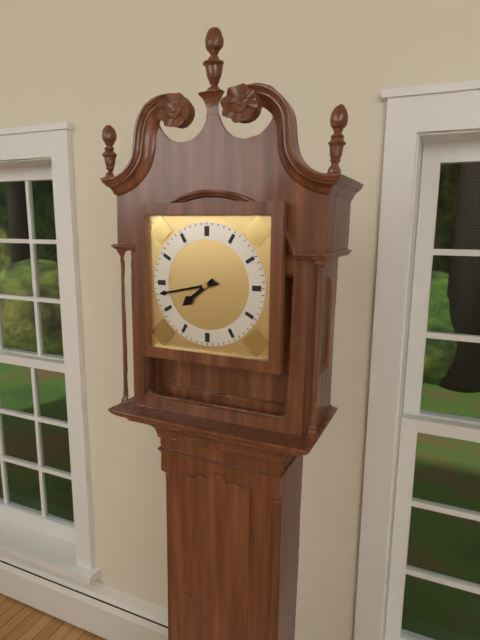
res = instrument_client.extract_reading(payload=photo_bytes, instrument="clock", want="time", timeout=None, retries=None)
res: 7:43
